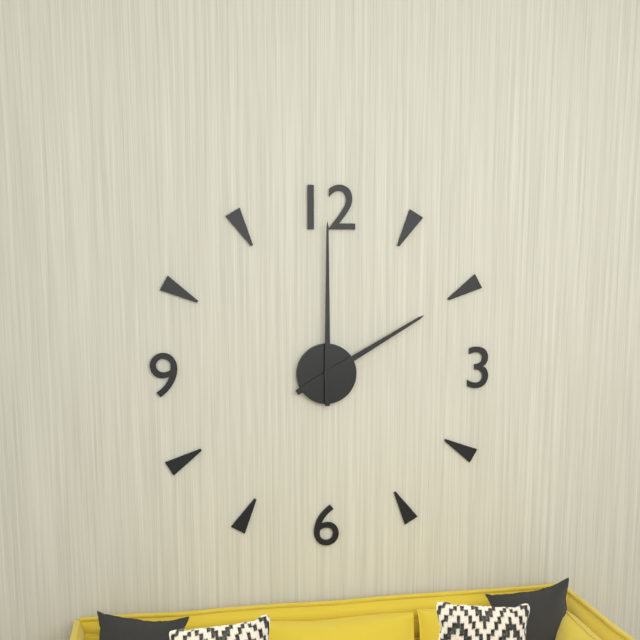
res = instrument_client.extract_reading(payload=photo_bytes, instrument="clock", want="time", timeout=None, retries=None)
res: 2:00
